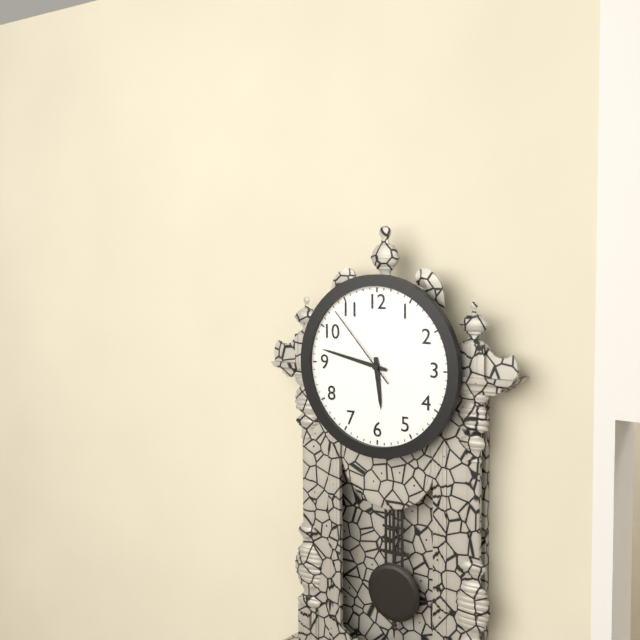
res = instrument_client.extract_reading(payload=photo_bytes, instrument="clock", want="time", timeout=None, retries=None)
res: 5:47:53
